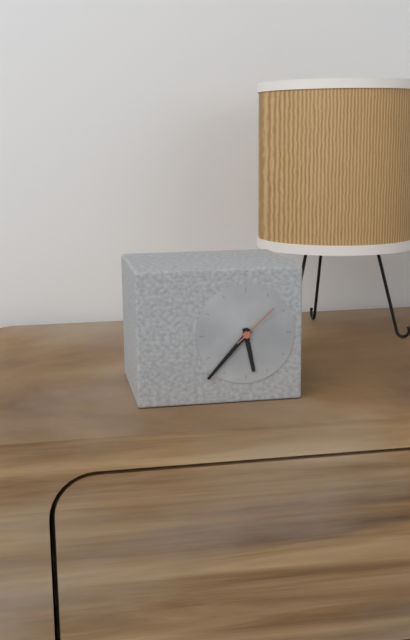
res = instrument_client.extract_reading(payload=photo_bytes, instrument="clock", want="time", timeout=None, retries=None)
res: 5:37
